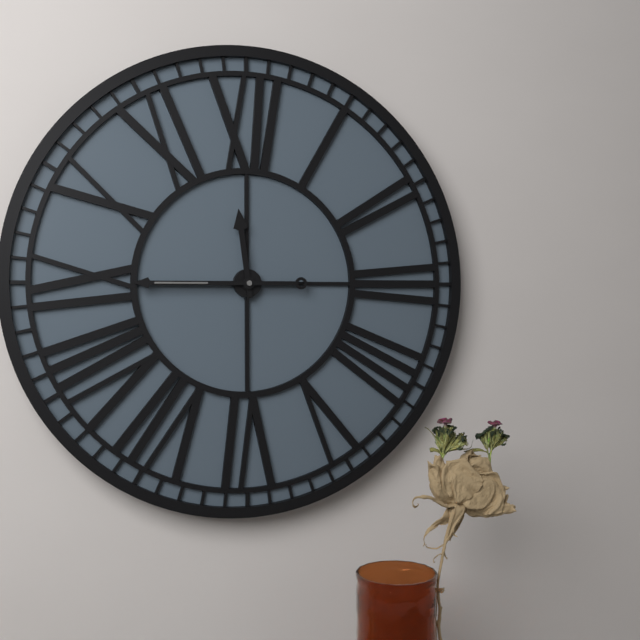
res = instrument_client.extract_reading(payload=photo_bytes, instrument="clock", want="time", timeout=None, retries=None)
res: 11:45
